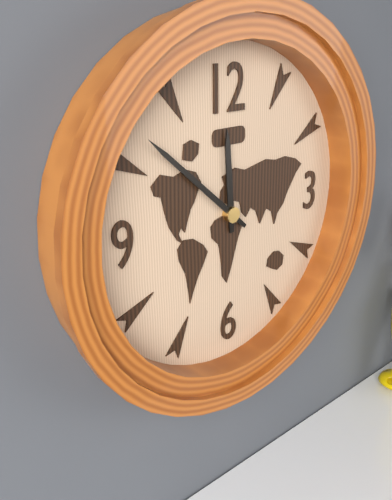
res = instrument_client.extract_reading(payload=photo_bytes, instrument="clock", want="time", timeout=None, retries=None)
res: 11:52
